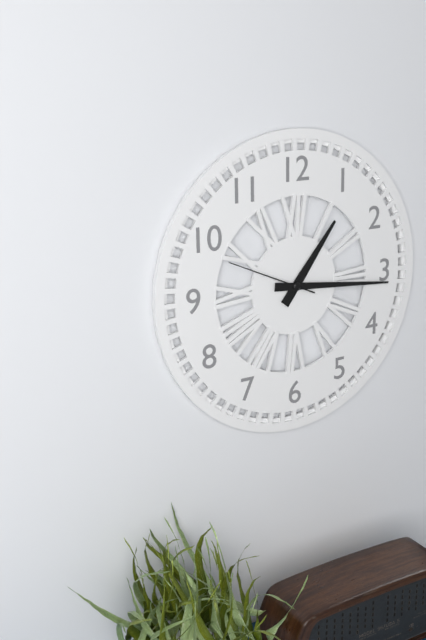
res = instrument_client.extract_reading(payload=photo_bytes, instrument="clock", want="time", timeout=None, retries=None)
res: 1:16:49
